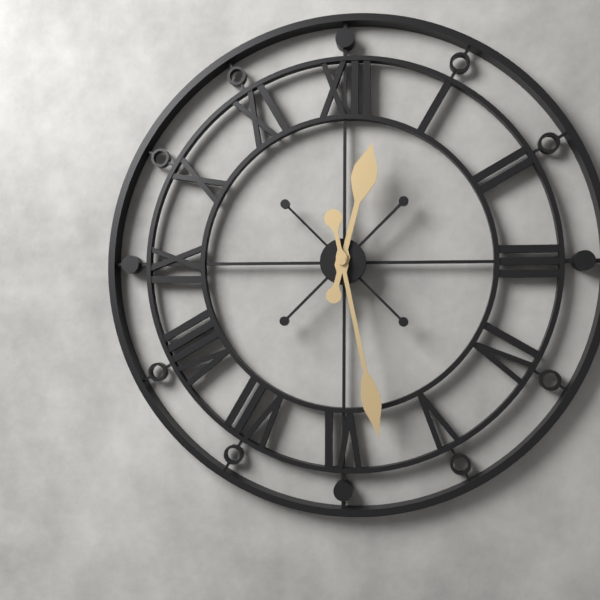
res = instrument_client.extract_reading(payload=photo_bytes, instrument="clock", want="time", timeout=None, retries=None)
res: 12:28
